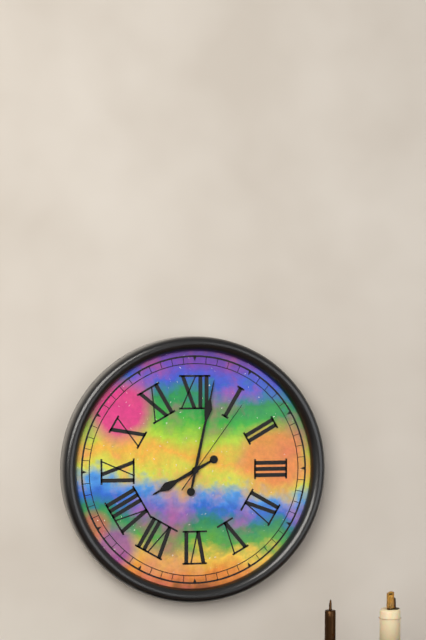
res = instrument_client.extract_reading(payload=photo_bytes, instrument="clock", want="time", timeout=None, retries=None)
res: 8:02:06
